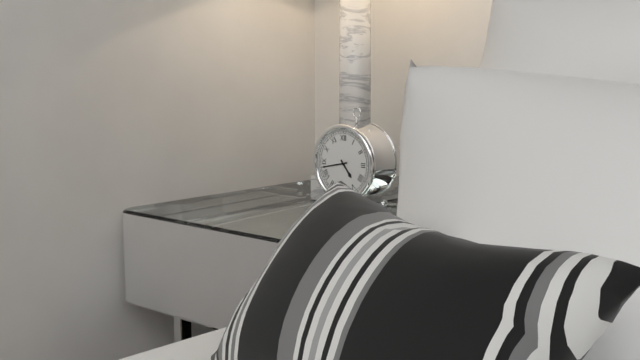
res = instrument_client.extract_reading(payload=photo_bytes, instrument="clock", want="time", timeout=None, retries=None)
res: 4:43
